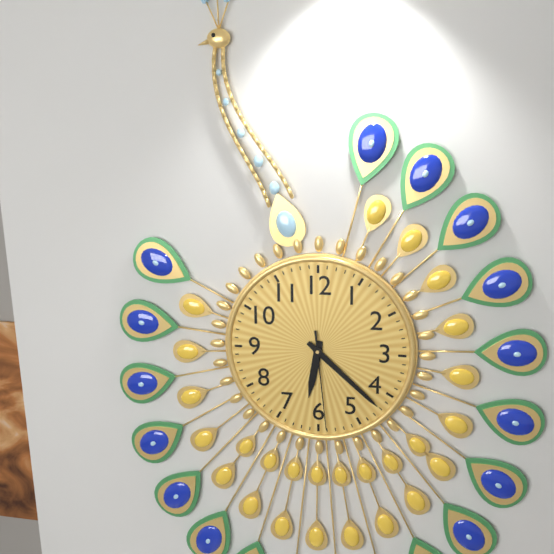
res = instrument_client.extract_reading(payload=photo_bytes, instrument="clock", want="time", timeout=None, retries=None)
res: 6:22:29
